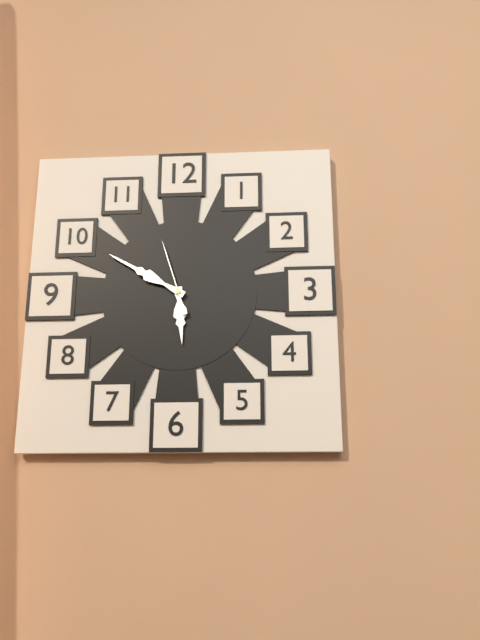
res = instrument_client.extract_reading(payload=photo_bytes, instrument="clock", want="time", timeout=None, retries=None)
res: 5:50:57
